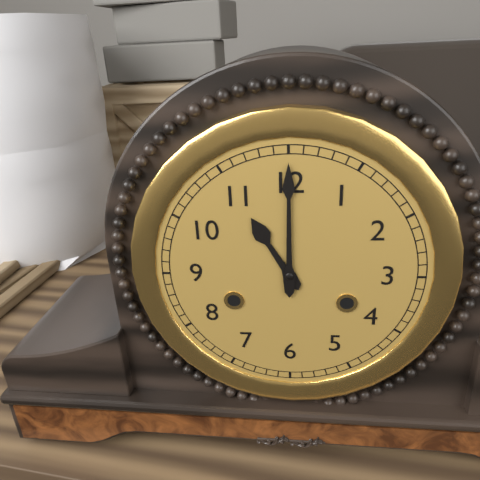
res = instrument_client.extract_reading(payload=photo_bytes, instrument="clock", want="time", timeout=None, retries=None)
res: 11:00
